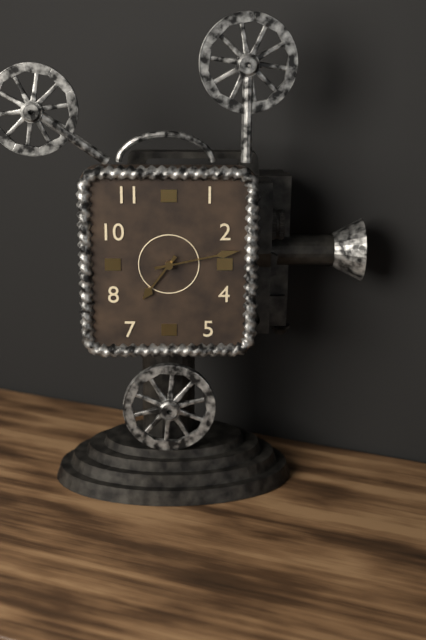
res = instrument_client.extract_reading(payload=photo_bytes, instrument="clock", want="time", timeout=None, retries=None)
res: 7:13
